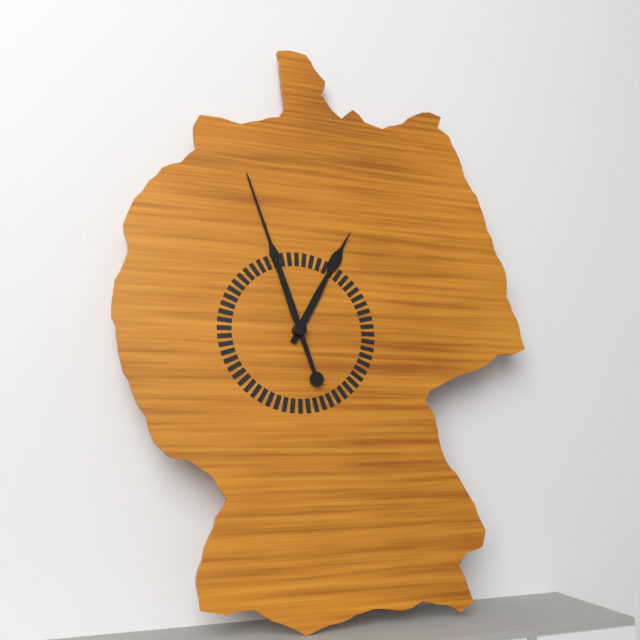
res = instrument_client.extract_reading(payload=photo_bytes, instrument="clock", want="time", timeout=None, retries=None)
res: 12:57
